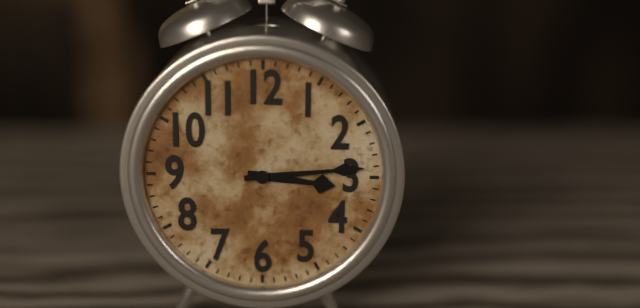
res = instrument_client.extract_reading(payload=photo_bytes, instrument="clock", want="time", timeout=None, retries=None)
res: 3:14
